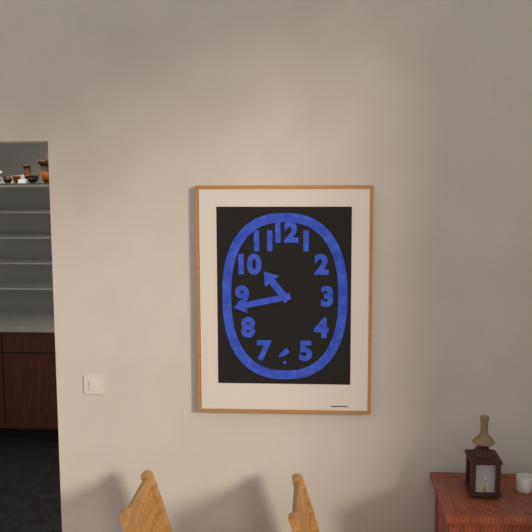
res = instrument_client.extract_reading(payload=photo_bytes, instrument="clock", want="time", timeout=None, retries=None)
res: 10:43
